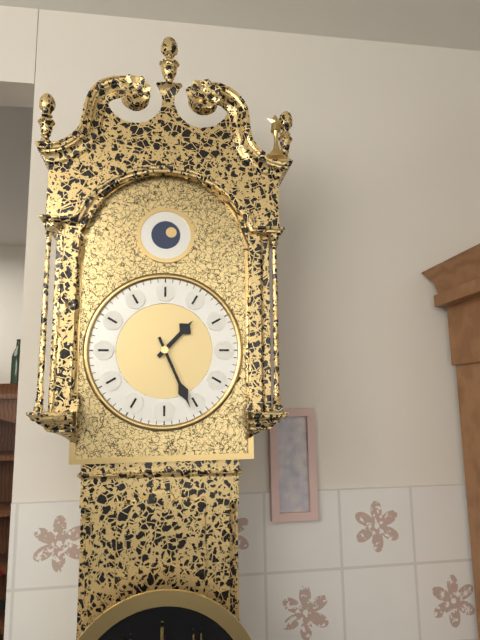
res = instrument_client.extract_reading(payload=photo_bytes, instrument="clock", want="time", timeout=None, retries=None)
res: 1:26
